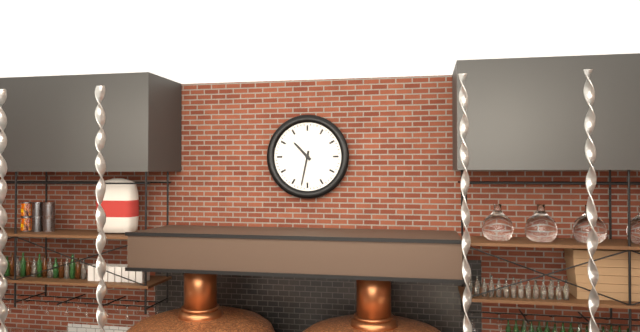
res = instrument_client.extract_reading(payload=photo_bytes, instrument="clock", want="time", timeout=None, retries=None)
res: 10:32
